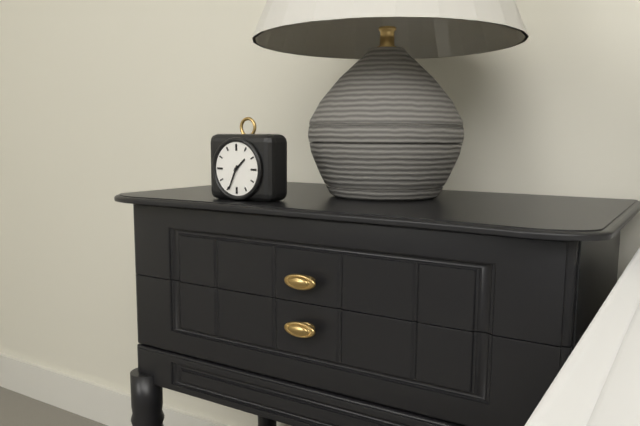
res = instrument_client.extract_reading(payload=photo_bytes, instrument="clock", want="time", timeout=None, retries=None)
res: 1:34
